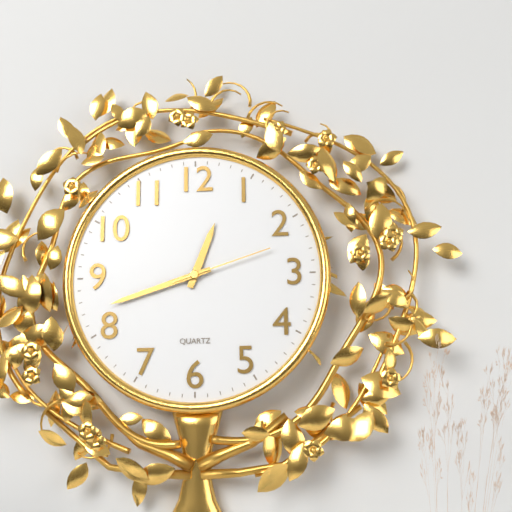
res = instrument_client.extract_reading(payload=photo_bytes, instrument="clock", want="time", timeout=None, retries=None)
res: 12:42:12
